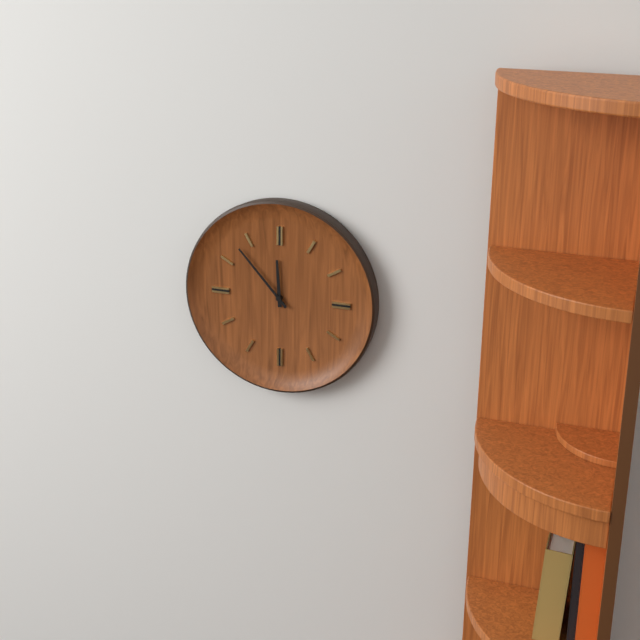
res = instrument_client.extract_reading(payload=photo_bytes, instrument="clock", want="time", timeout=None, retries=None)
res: 11:53
